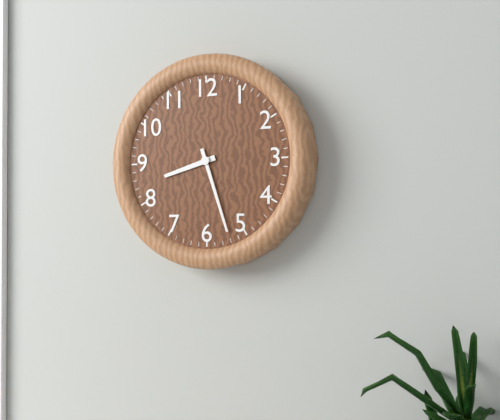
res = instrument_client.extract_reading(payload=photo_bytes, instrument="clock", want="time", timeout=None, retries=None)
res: 8:27
